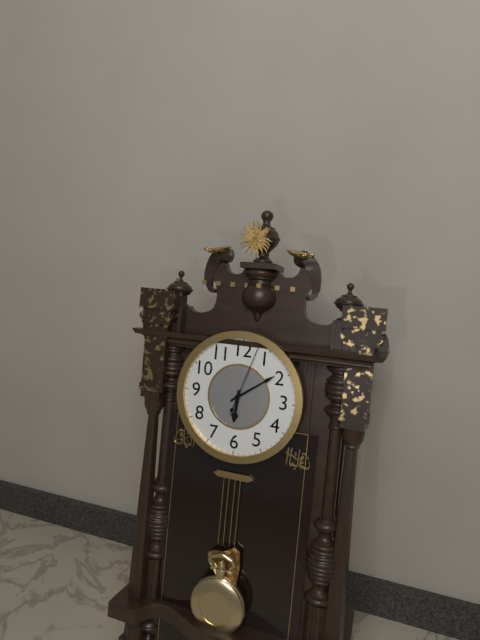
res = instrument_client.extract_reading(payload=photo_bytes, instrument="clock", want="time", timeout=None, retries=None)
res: 6:09:03
